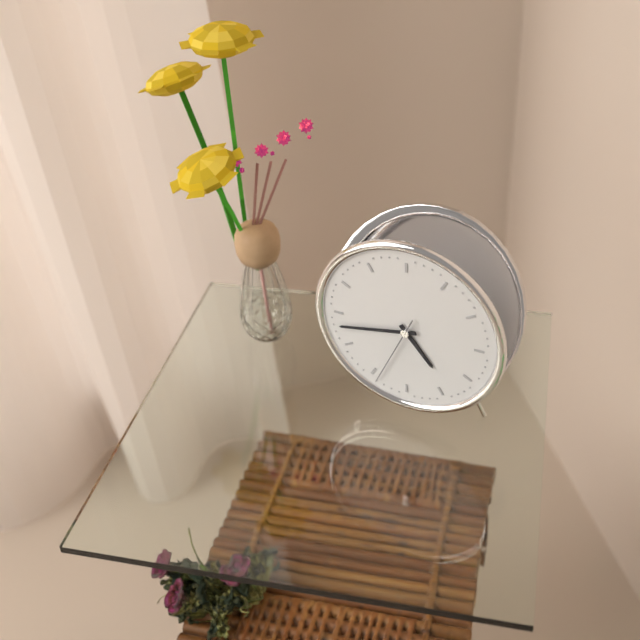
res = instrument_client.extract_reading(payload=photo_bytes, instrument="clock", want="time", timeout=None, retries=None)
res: 4:43:34
